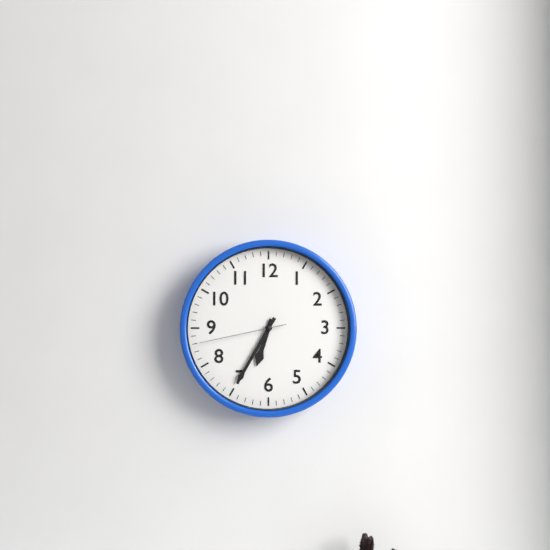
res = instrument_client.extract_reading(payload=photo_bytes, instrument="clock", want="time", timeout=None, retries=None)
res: 6:35:43
